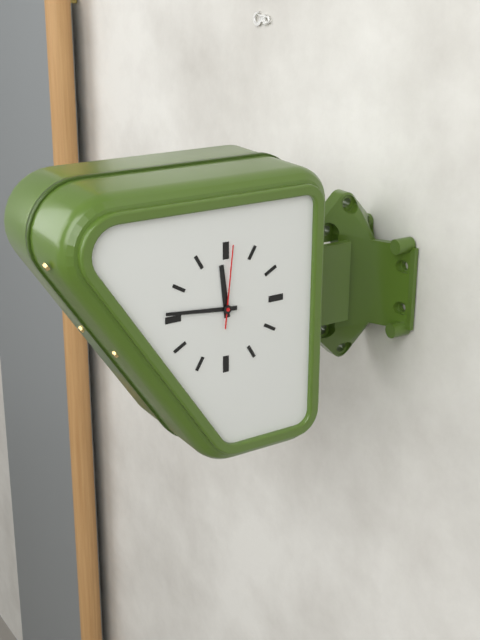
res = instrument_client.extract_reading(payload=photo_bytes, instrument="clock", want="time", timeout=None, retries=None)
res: 11:46:01
